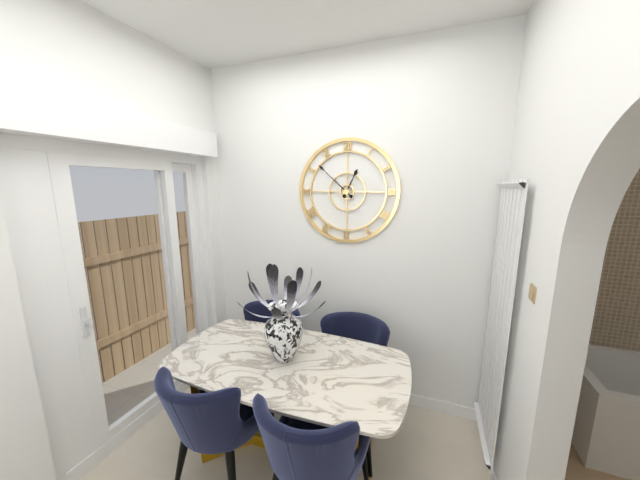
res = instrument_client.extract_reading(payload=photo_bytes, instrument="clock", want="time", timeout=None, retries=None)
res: 12:52
